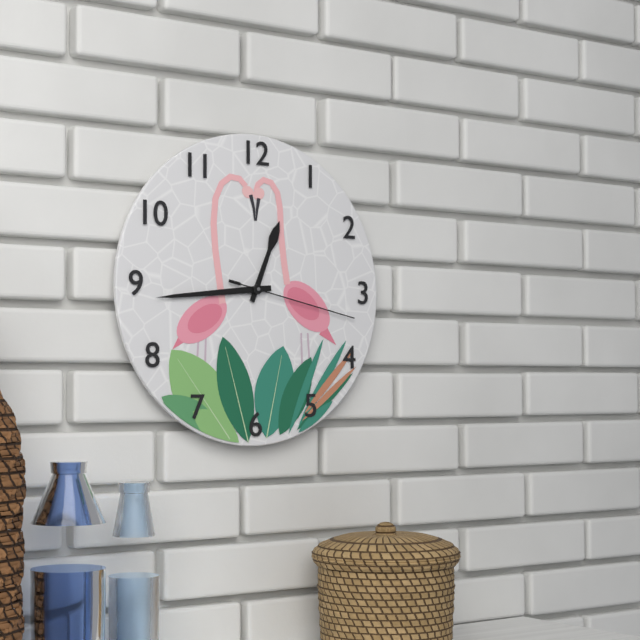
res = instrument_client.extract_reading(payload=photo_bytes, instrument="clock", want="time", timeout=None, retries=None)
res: 12:44:17
